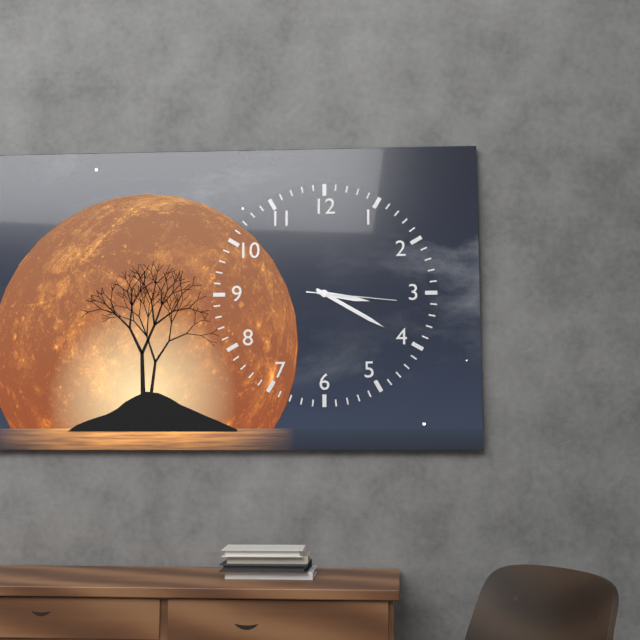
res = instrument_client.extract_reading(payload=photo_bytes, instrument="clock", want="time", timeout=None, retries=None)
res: 3:20:16
